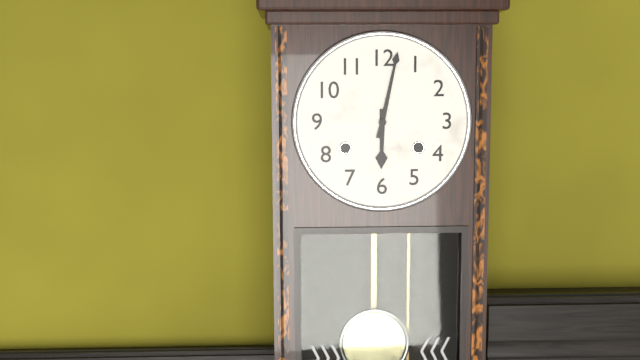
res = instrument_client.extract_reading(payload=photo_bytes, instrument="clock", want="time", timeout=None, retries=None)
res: 6:02
